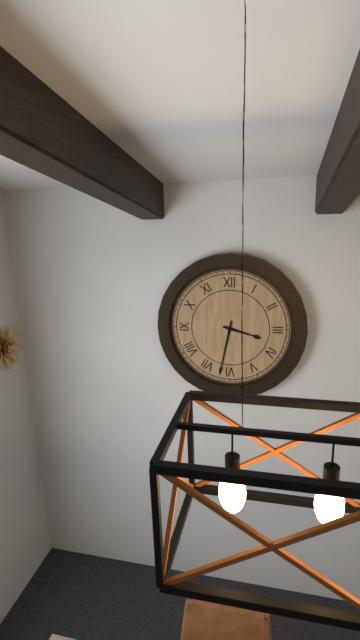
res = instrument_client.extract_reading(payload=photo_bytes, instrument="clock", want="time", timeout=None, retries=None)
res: 3:32
